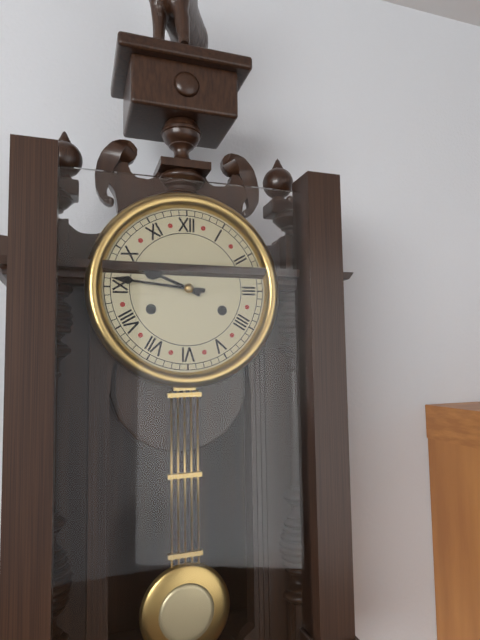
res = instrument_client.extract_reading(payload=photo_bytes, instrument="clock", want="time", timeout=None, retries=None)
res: 9:46
